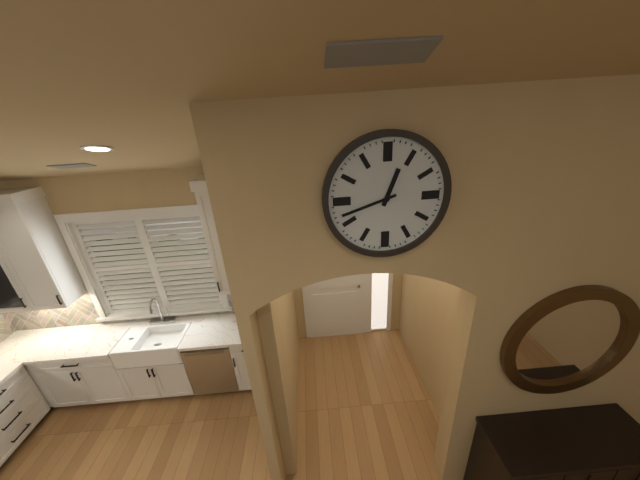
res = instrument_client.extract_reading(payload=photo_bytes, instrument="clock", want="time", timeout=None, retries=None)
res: 12:42
